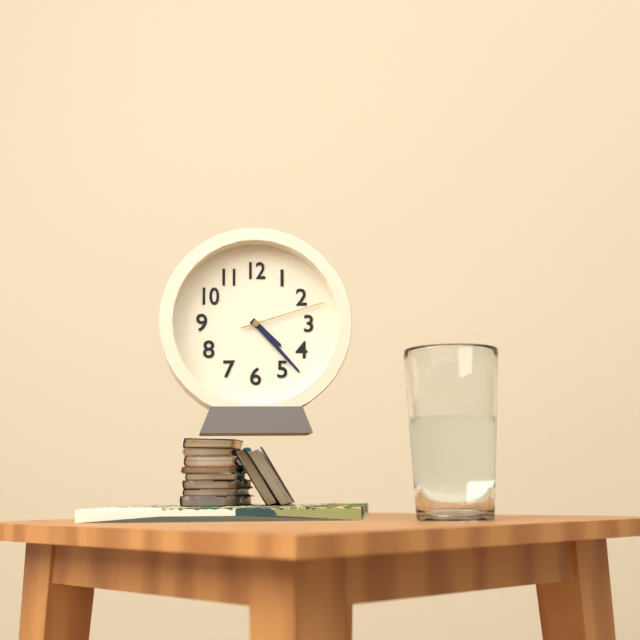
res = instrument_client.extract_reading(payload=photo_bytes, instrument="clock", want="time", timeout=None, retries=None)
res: 4:23:12
